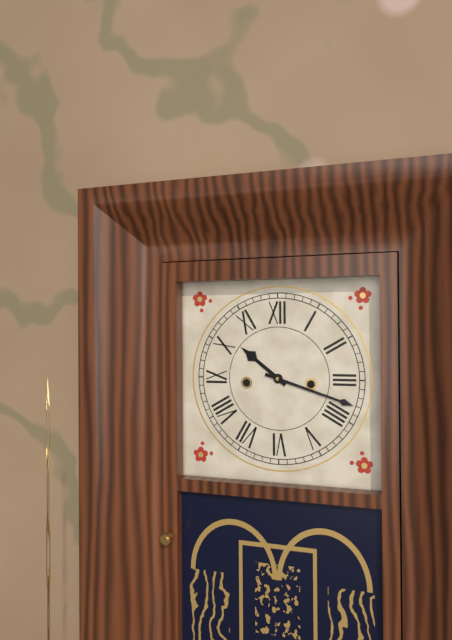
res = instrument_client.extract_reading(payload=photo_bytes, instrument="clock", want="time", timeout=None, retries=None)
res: 10:18
